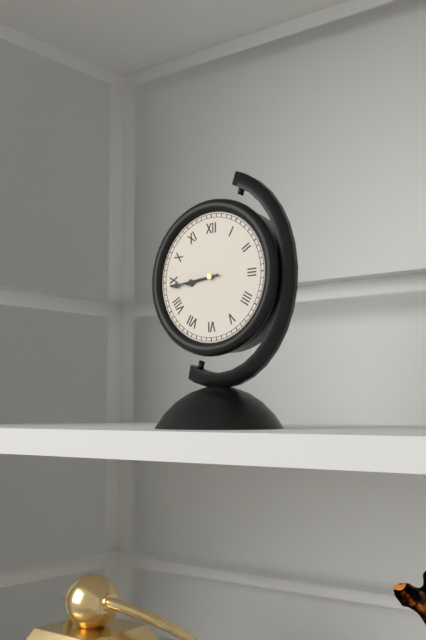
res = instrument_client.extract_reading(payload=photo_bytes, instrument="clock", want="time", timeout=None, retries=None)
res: 8:44
